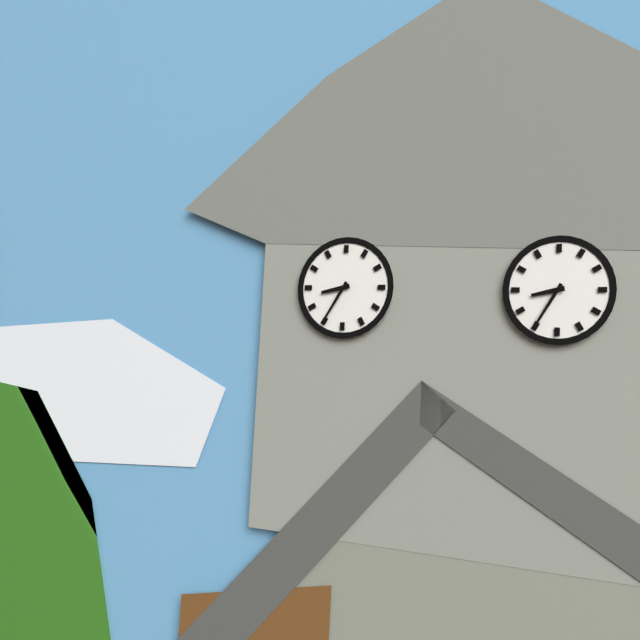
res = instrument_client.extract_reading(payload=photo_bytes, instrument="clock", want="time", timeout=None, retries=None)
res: 8:35
